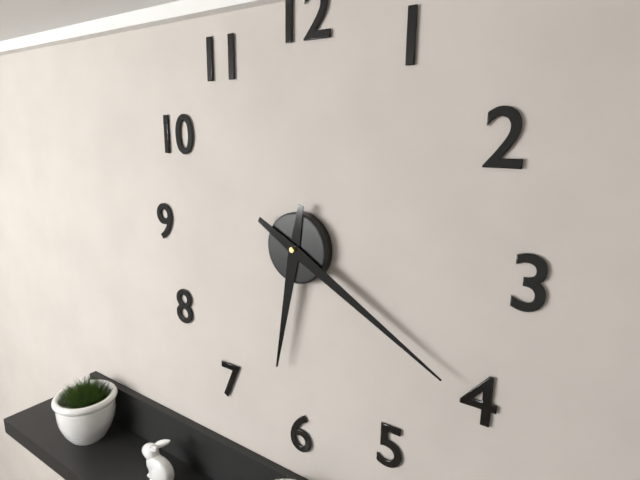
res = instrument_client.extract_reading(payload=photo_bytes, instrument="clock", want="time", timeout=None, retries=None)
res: 6:20
